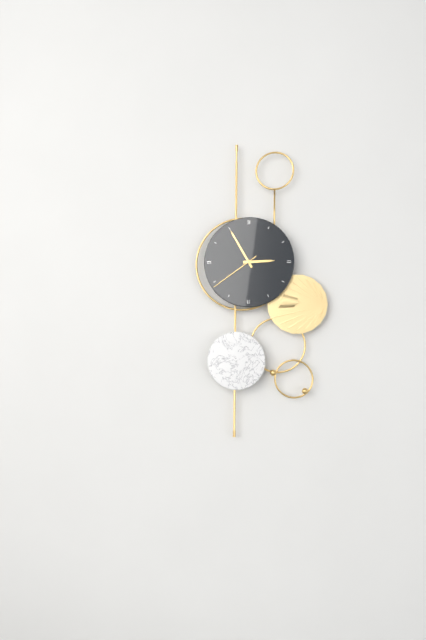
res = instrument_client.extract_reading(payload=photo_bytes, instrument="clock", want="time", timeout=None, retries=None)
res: 2:55:39
